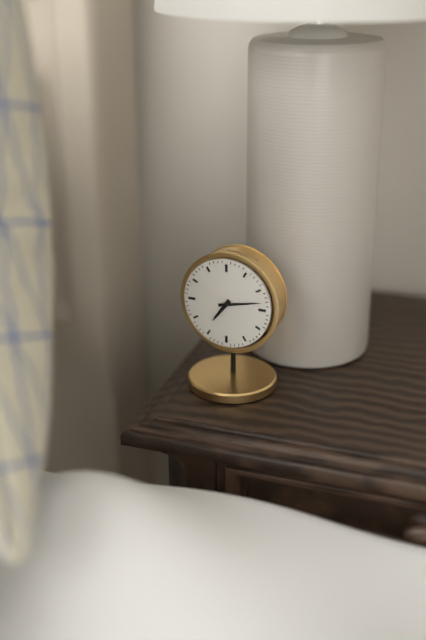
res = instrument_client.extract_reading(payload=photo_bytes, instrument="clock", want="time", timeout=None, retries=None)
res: 7:13
